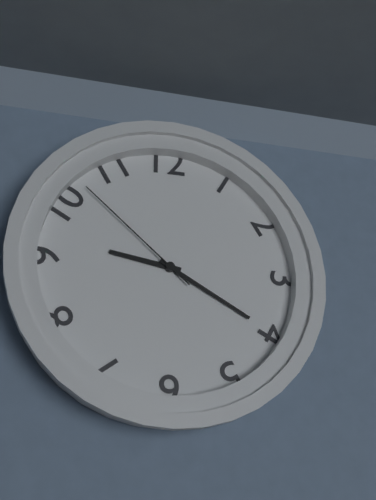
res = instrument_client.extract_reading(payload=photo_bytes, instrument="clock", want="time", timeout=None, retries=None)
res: 9:20:52
